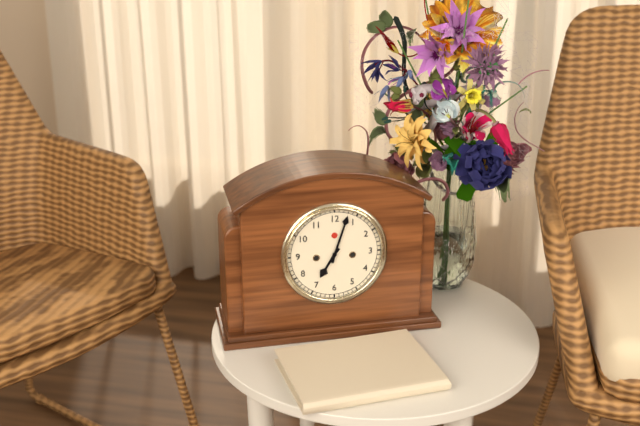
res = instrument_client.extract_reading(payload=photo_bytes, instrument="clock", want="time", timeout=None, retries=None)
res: 7:03
